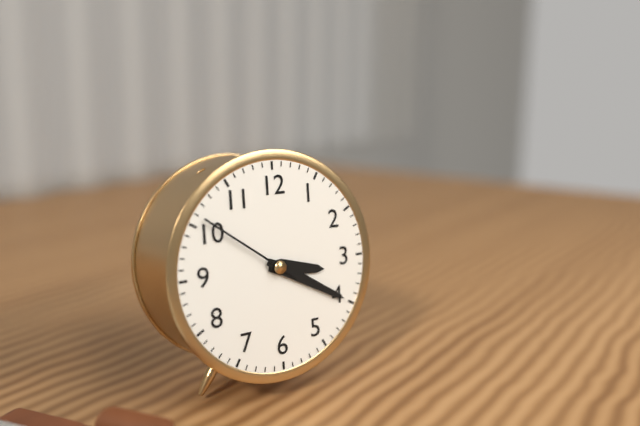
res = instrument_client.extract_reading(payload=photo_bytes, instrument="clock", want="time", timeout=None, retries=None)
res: 3:20:51
